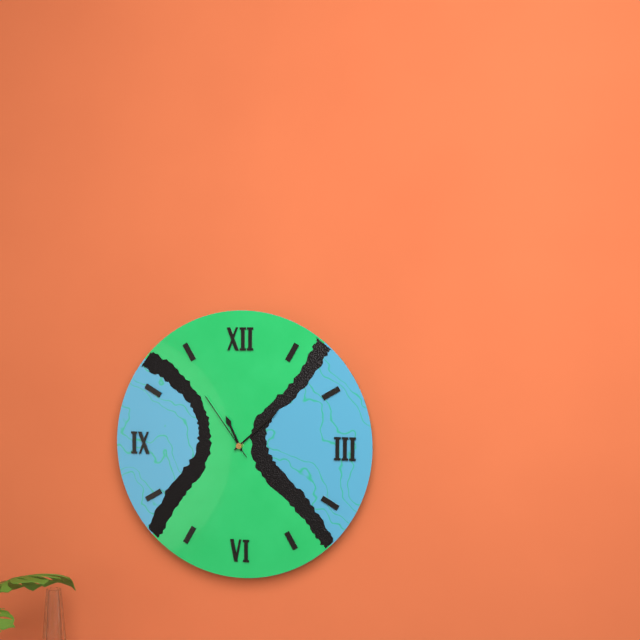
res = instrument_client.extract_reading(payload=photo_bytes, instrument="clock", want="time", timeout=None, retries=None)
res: 11:08:54
